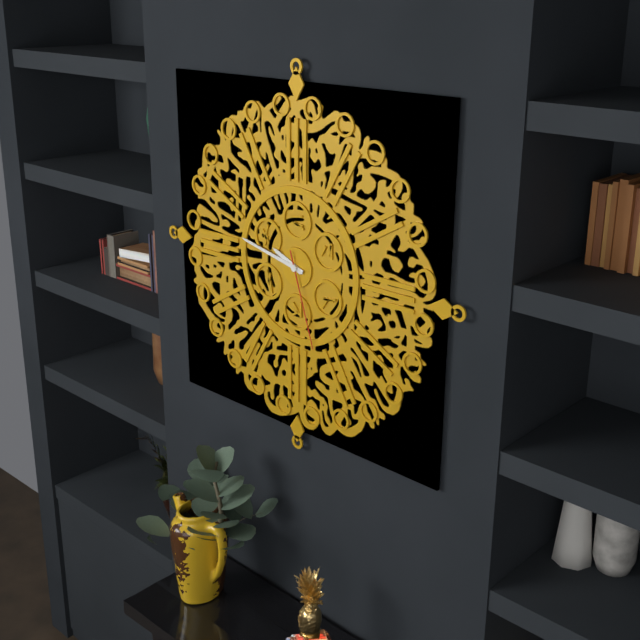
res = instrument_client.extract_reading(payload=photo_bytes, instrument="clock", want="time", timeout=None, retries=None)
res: 9:47:27
